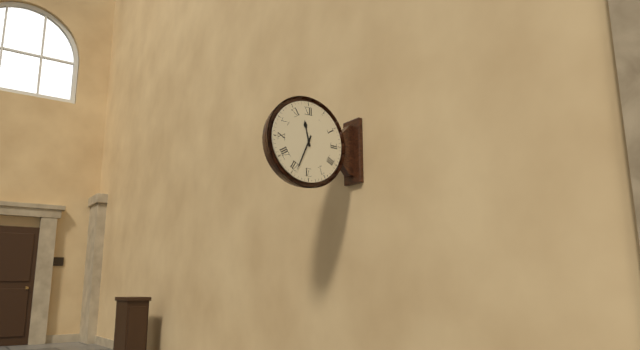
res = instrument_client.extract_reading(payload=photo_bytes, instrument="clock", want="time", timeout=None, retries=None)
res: 11:34
